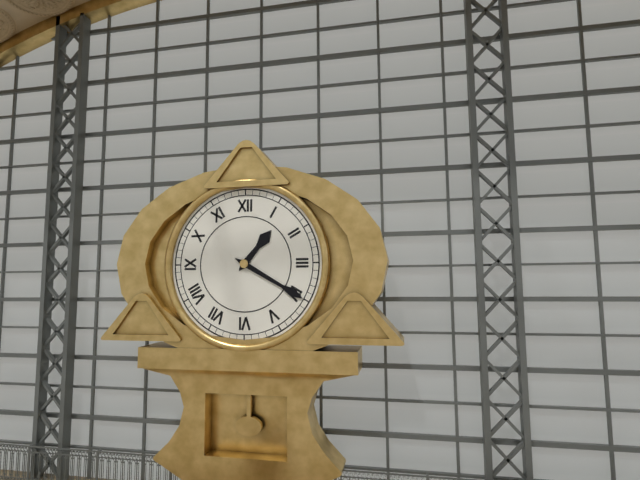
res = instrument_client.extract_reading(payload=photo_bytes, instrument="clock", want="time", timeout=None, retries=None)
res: 1:20
